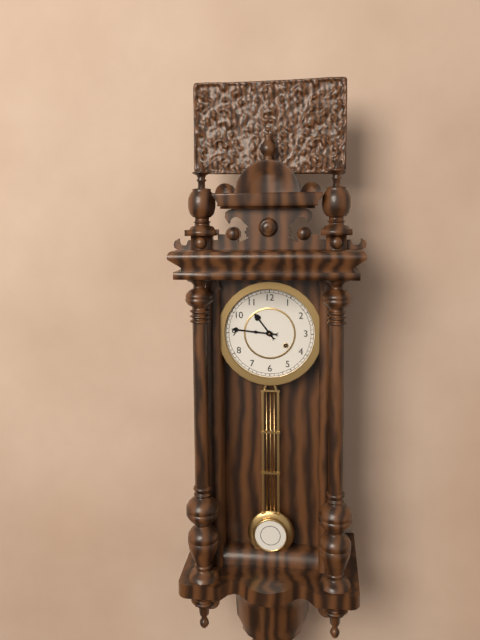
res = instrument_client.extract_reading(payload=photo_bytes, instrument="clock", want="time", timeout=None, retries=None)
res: 10:46
